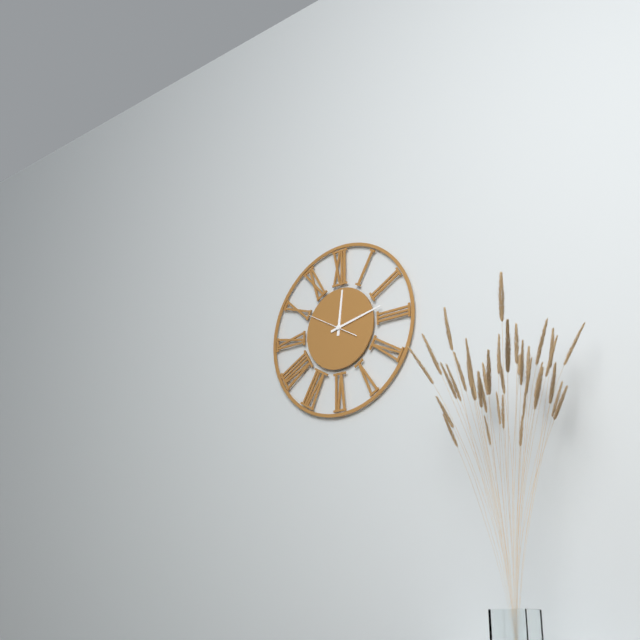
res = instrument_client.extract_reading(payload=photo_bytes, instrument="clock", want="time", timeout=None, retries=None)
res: 12:13
